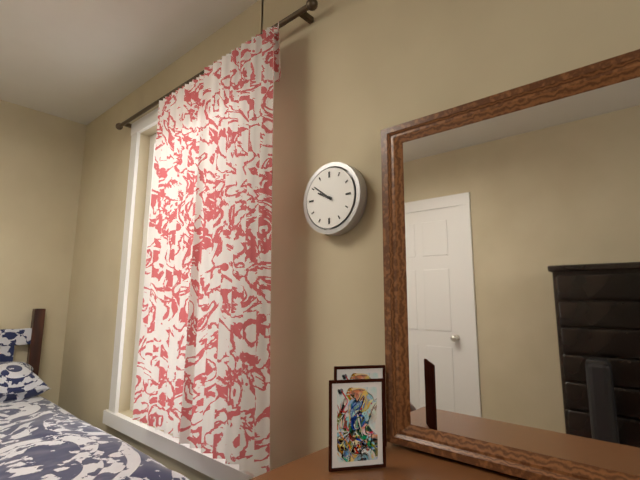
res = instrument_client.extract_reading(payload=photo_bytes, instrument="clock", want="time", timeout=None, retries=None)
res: 9:51
